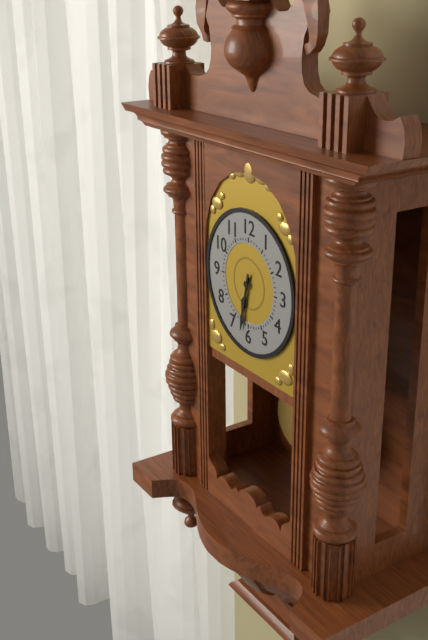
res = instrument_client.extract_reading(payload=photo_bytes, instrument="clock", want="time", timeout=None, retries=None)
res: 6:32
